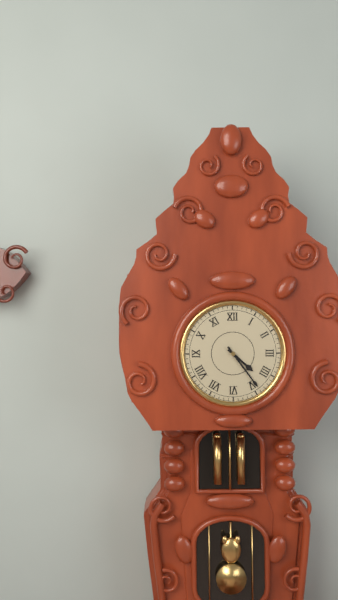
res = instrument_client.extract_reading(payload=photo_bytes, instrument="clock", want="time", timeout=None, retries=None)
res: 4:24
